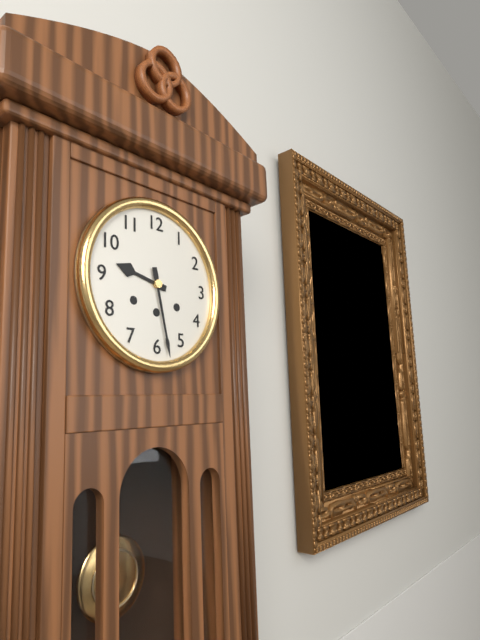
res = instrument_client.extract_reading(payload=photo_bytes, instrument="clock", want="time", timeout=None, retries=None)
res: 9:28
